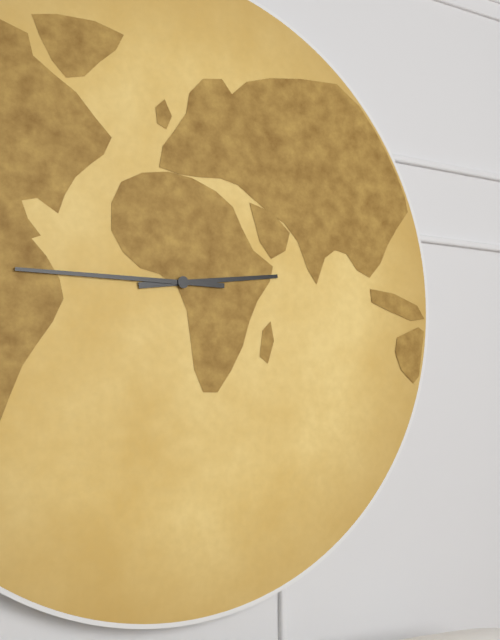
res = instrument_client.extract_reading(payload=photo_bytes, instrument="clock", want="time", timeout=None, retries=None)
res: 2:45
